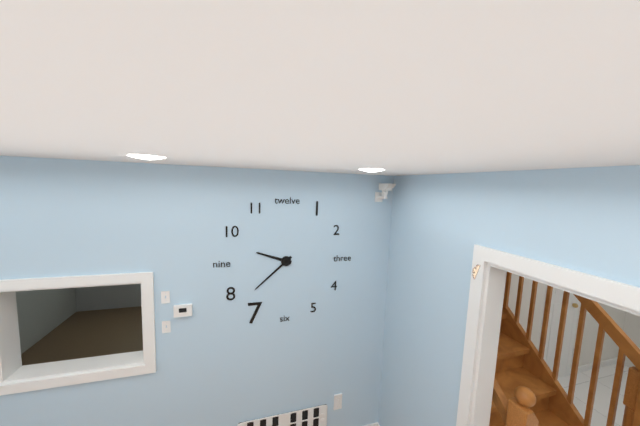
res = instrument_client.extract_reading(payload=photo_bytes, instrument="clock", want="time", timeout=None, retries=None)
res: 9:38
